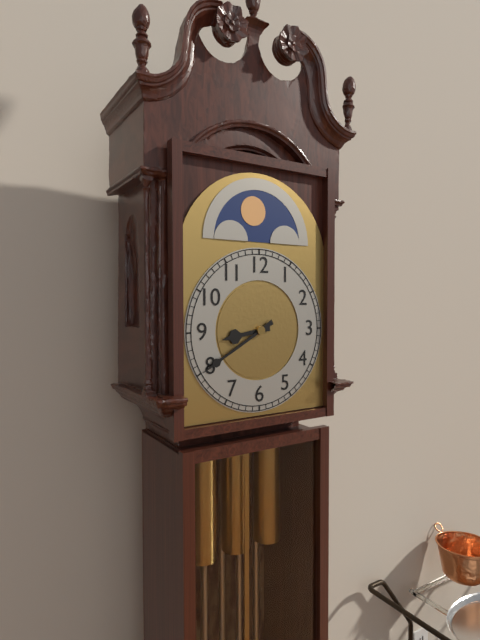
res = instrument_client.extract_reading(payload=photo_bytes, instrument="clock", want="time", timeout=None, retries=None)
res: 8:40
